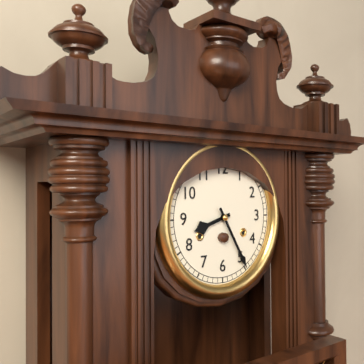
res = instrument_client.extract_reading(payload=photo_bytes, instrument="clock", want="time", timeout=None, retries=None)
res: 8:25
